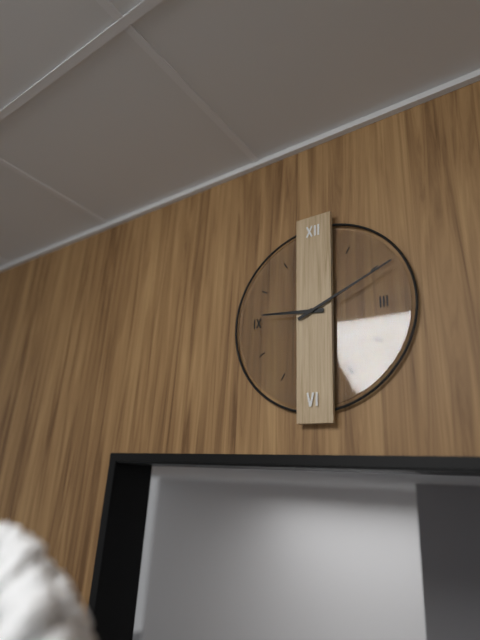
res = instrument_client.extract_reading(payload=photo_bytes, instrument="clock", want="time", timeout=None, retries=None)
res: 9:11
